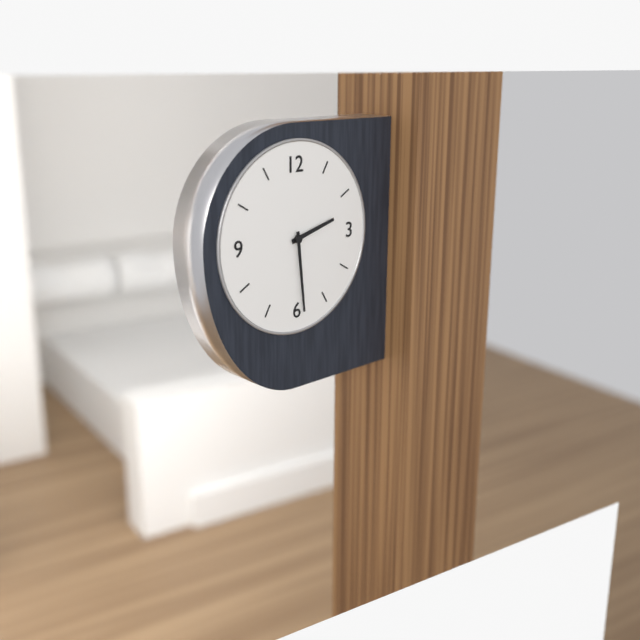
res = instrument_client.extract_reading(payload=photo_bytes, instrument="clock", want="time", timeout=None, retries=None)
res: 2:29
